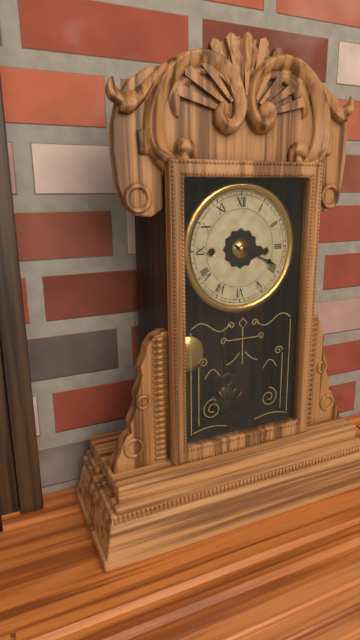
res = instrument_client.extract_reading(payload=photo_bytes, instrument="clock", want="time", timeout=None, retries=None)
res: 3:19
